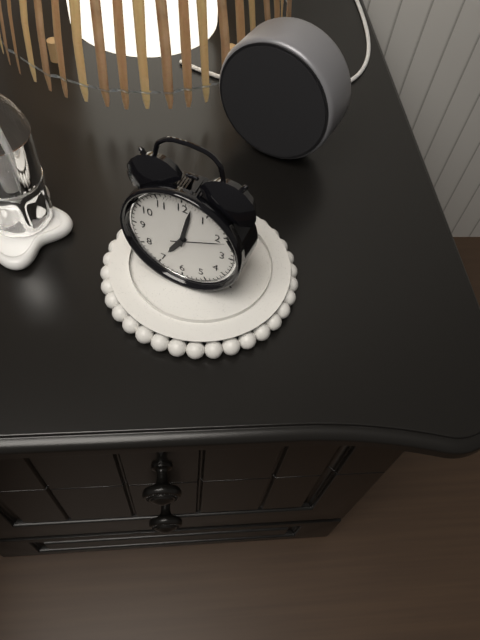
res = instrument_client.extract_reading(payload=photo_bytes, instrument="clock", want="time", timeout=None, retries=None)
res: 7:02:11
